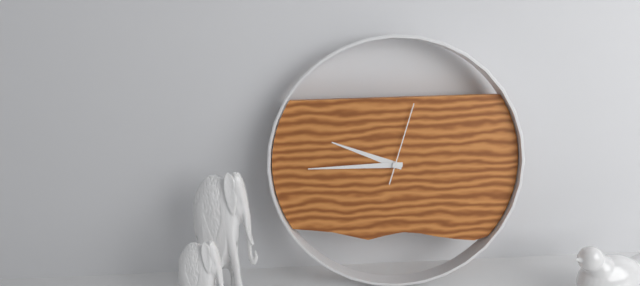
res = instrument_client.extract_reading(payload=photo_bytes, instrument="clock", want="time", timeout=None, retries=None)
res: 9:45:03
